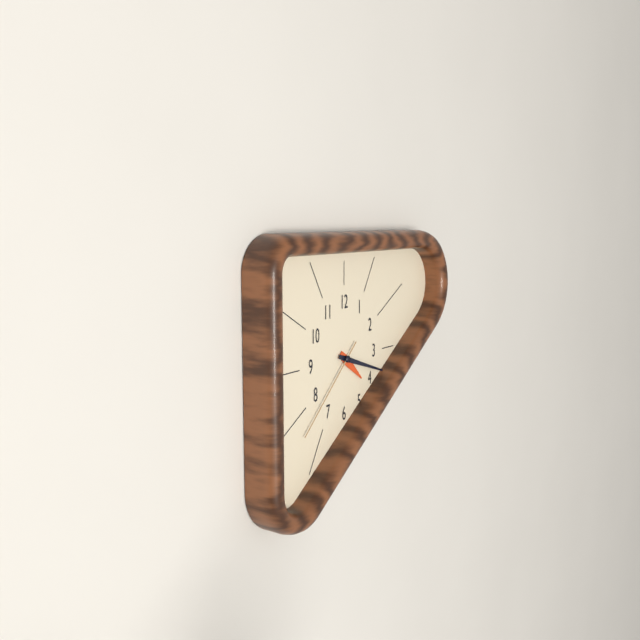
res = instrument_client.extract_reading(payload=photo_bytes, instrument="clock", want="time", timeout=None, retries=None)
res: 4:18:38
